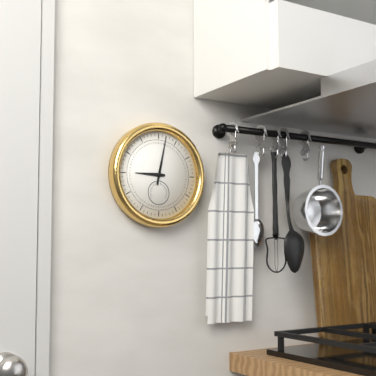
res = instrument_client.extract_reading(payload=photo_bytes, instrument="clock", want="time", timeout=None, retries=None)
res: 9:02
